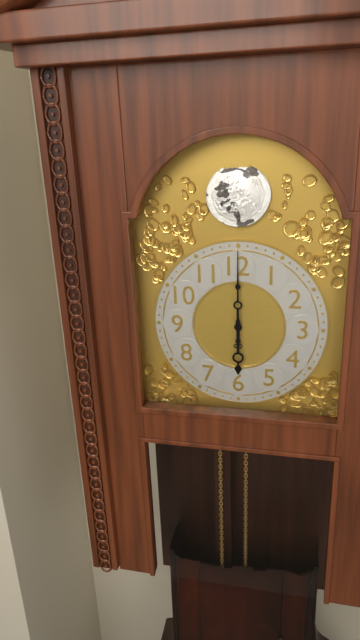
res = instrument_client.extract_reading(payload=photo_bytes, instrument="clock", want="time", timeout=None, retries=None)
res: 6:00
